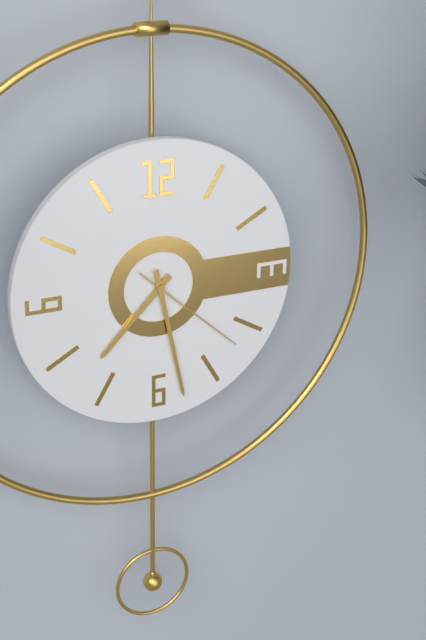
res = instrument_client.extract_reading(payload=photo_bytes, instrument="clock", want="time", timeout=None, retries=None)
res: 7:28:22
